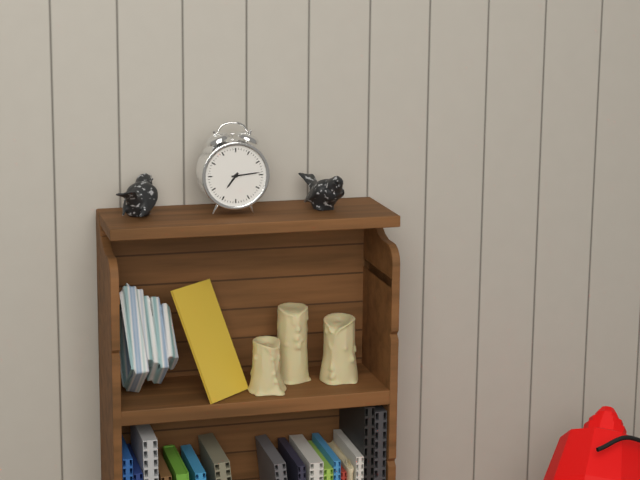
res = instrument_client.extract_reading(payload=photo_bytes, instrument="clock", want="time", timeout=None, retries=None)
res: 7:14
